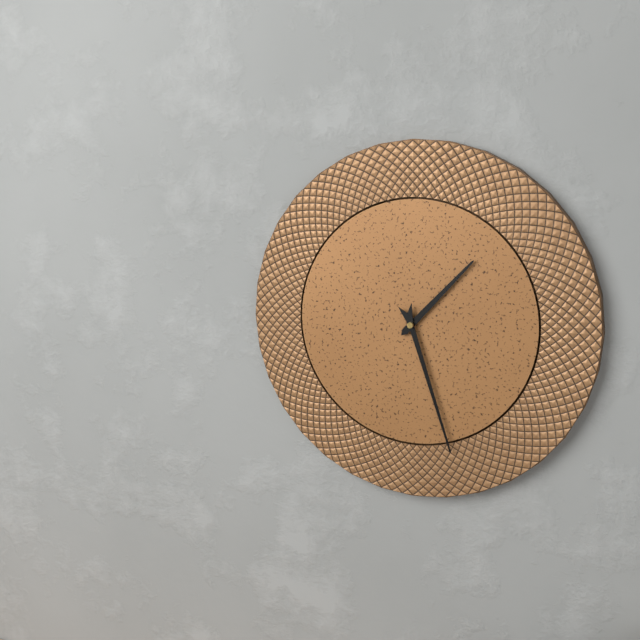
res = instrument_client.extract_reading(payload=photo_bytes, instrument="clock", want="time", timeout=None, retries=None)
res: 1:27
